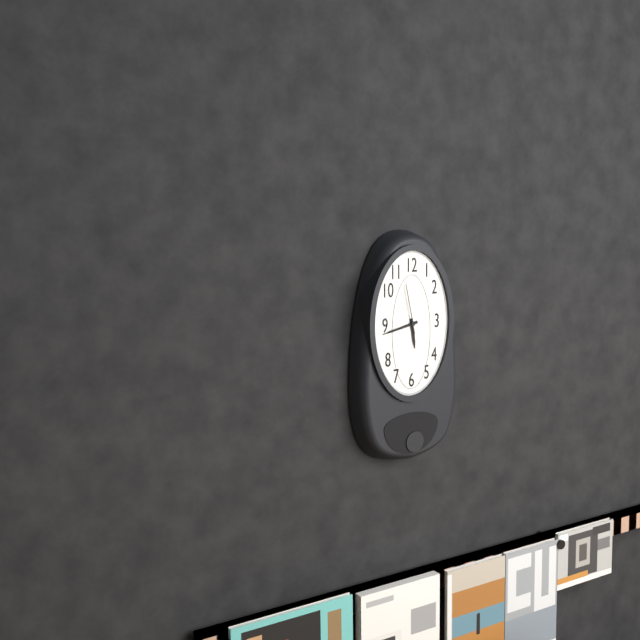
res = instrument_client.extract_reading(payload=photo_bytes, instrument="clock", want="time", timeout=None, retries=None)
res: 5:43:58
